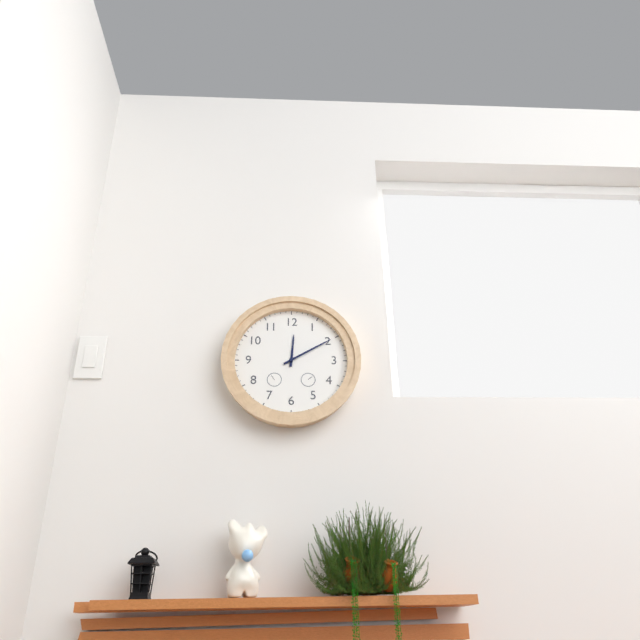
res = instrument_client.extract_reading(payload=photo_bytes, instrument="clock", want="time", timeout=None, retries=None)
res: 12:10
